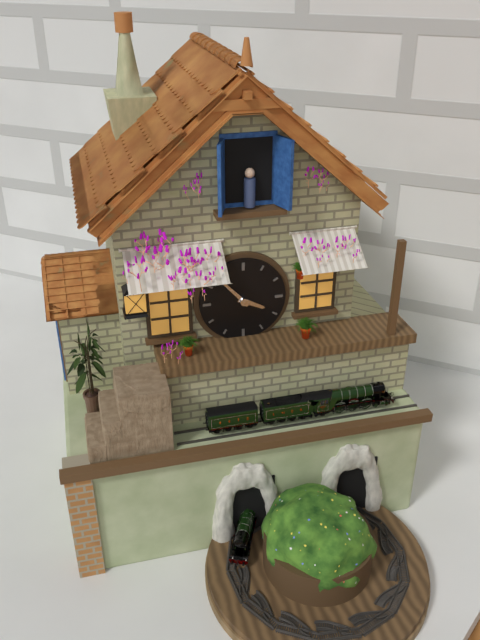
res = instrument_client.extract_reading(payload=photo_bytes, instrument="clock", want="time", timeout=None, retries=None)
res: 3:53
